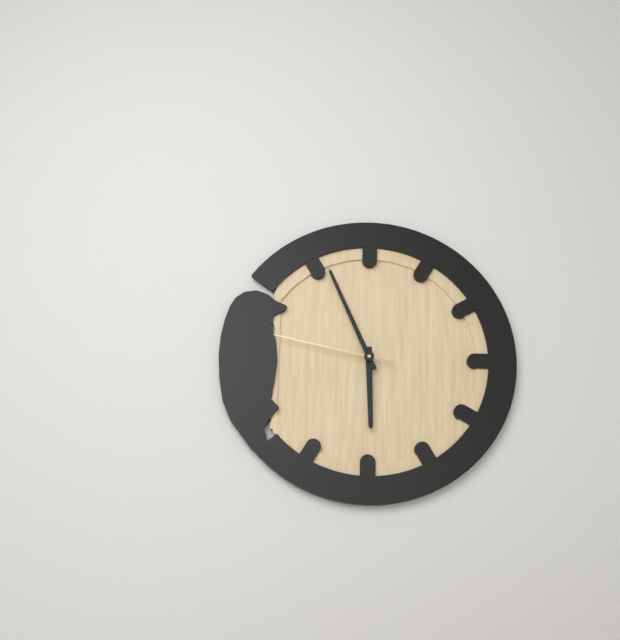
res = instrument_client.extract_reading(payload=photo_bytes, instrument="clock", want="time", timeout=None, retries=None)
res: 5:56:47
